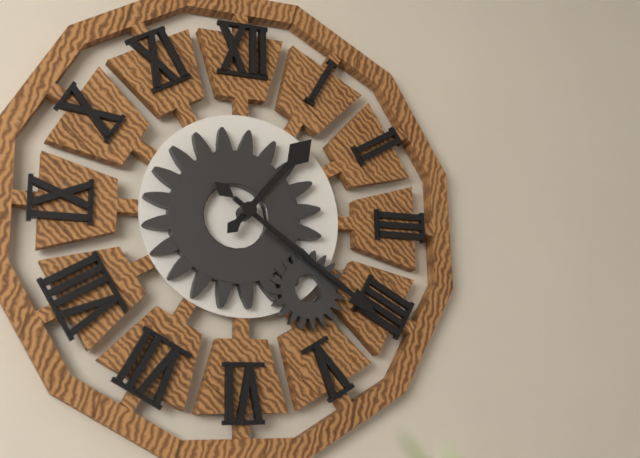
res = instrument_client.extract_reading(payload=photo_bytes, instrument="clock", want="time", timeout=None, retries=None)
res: 1:21
